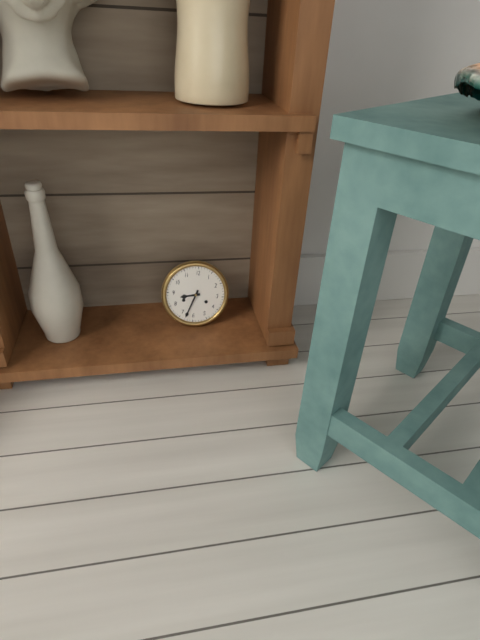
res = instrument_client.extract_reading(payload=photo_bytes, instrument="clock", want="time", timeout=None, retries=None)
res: 8:33
